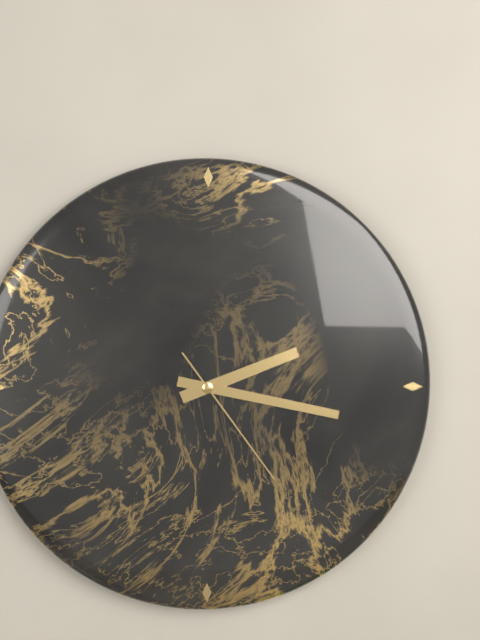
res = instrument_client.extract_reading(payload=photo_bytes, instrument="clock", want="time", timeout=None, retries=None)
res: 2:17:24
